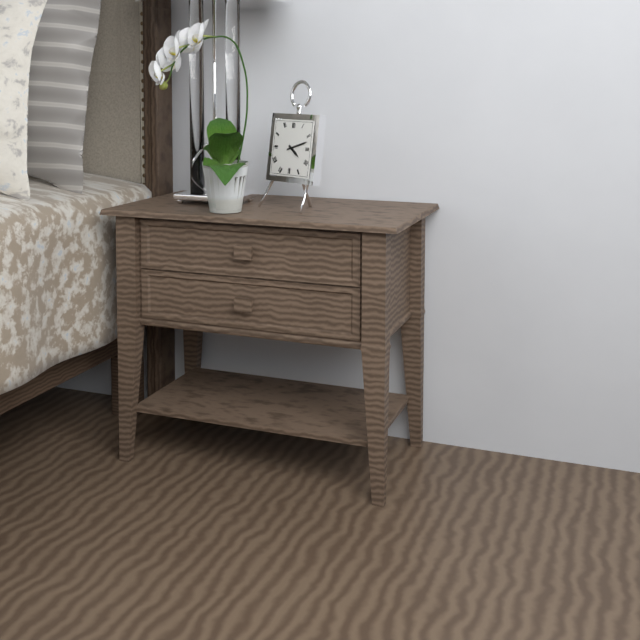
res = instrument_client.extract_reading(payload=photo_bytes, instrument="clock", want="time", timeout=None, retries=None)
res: 4:12
